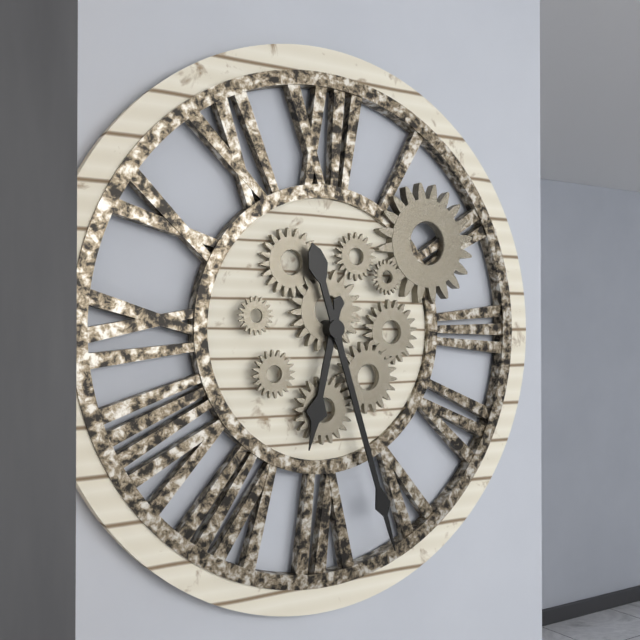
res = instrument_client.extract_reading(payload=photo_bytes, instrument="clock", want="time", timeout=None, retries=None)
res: 6:27
